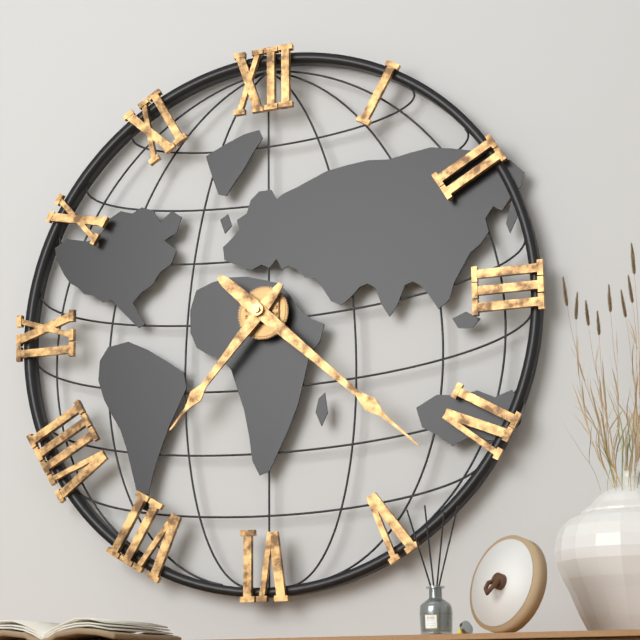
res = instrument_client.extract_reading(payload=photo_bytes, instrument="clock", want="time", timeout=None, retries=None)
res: 7:22
